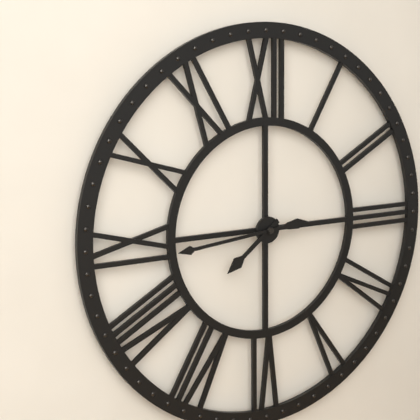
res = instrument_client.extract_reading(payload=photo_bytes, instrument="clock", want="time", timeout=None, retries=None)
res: 7:44
